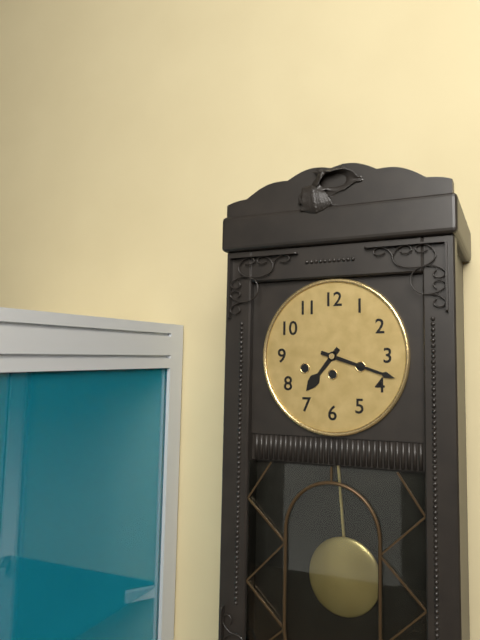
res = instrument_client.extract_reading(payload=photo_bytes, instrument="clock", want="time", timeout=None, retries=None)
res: 7:18
